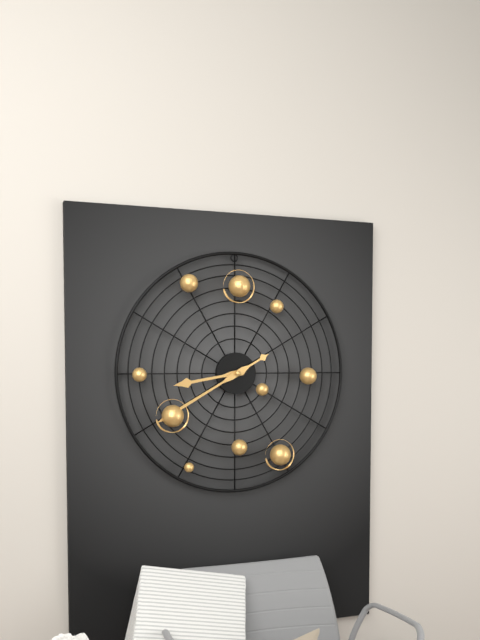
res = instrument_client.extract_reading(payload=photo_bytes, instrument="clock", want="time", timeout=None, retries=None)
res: 8:40
